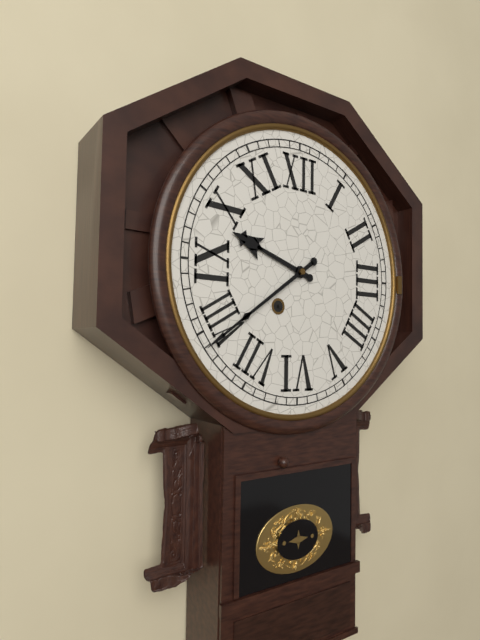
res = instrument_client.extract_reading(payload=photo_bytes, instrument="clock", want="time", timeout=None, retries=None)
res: 9:39
